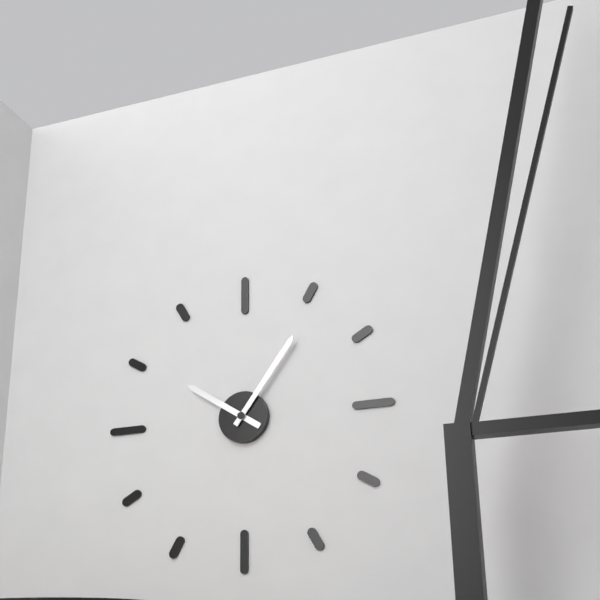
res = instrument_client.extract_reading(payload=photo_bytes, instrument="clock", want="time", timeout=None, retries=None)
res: 10:06
